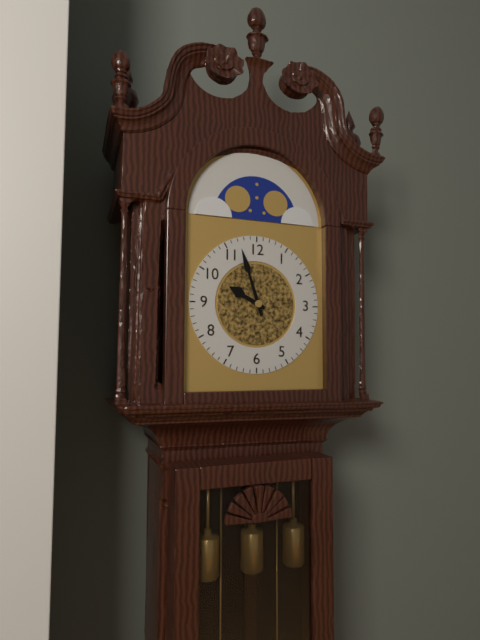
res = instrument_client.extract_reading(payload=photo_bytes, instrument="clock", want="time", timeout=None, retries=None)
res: 9:57
